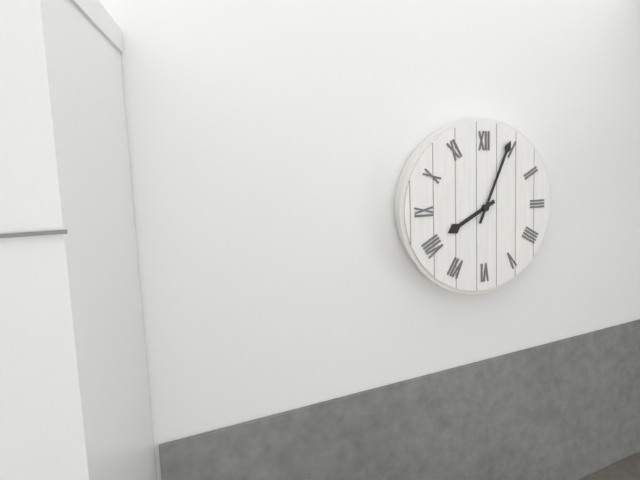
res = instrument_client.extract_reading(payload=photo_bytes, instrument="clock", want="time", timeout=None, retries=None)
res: 8:04
